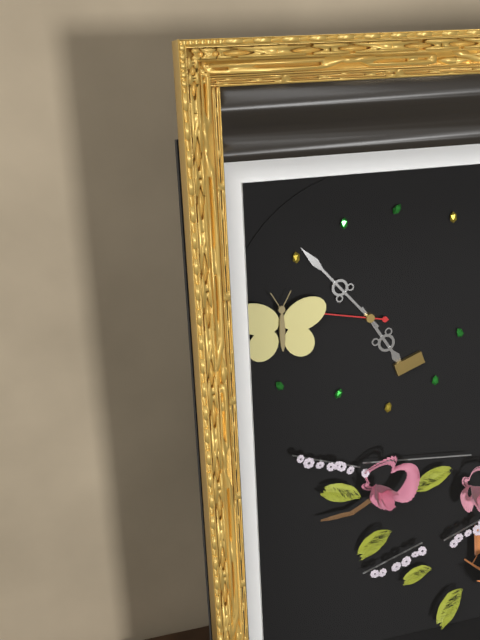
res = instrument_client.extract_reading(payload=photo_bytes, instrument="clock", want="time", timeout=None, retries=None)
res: 4:53:47
